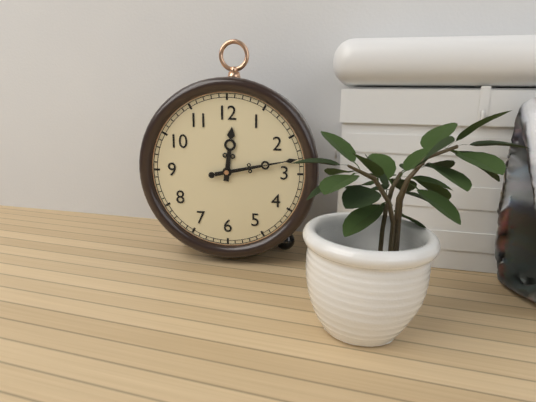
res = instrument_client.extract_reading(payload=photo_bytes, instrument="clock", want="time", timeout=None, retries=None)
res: 12:13:13
